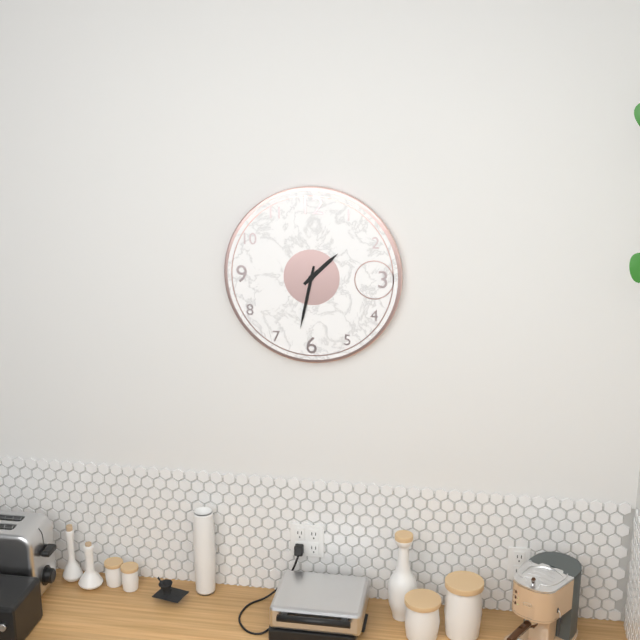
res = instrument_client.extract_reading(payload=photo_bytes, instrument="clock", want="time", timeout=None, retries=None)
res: 1:32
